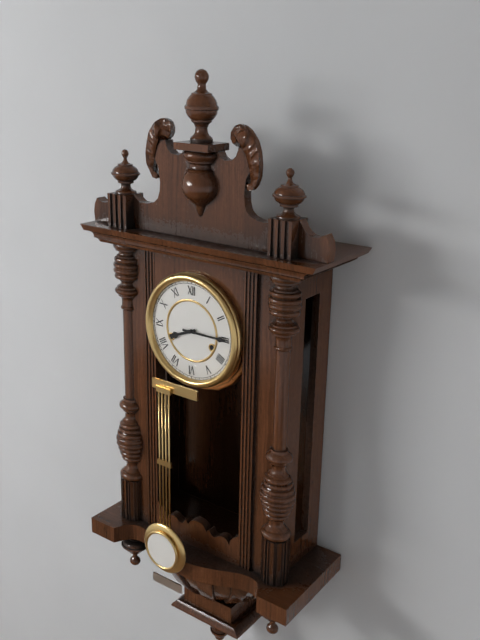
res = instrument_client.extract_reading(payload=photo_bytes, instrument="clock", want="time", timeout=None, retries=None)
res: 8:15
